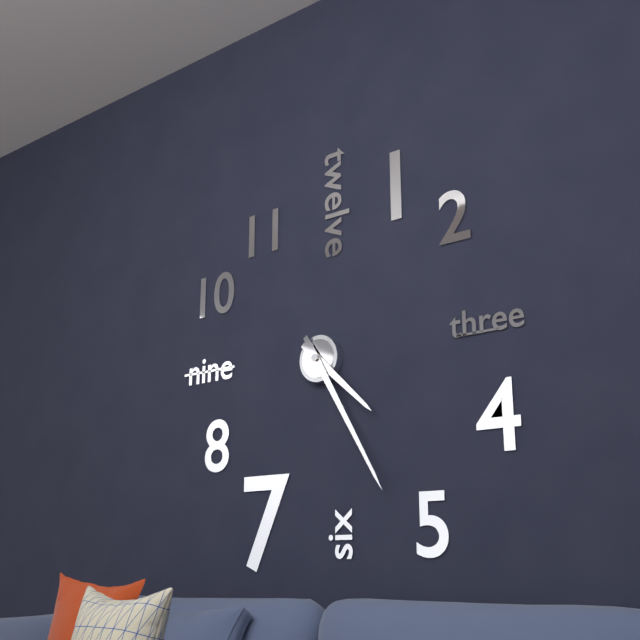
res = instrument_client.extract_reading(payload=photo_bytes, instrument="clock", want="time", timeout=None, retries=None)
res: 4:25
